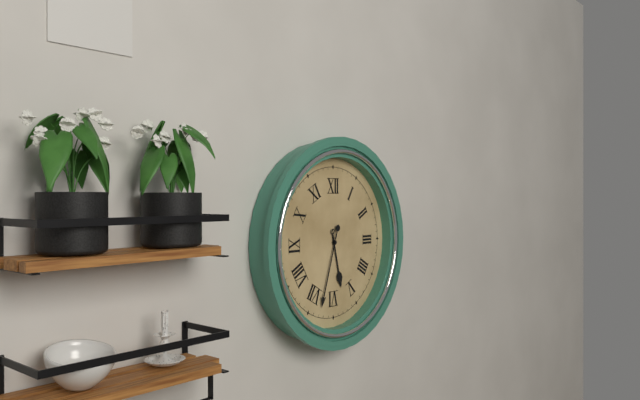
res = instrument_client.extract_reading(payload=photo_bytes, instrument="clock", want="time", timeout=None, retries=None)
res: 5:33
